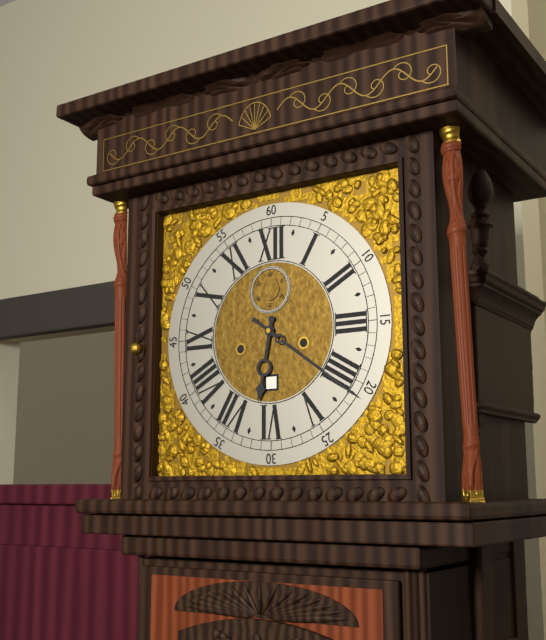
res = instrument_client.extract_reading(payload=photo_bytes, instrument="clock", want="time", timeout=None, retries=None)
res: 6:21
